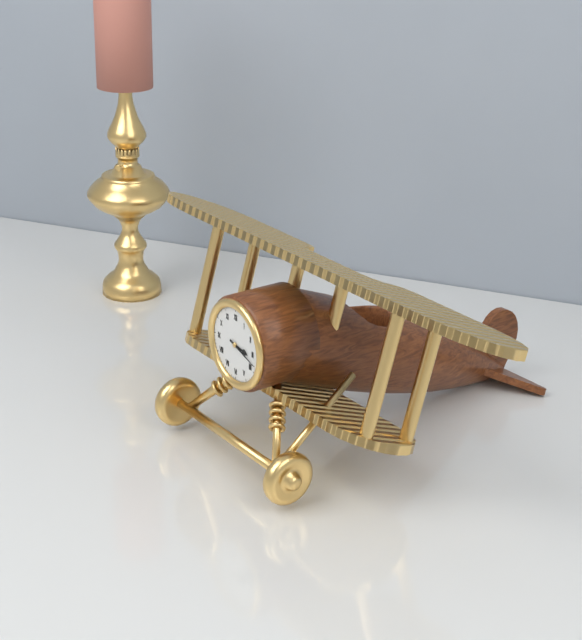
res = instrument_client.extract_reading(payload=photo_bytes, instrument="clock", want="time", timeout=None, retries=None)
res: 3:18
